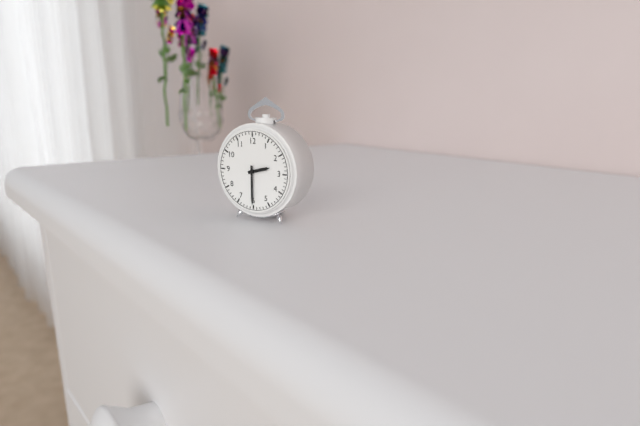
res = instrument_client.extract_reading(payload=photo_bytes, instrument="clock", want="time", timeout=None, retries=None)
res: 2:30
